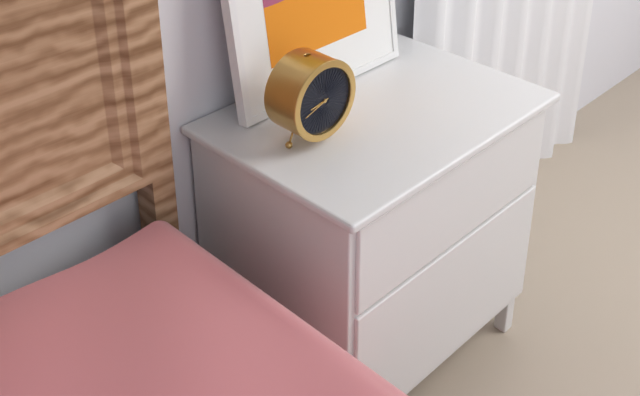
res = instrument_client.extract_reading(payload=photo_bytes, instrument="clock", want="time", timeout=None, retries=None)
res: 8:42
